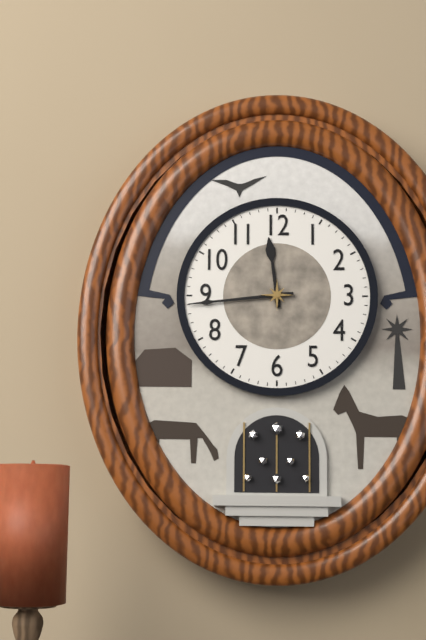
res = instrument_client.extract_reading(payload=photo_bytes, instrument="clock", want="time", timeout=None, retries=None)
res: 11:44
